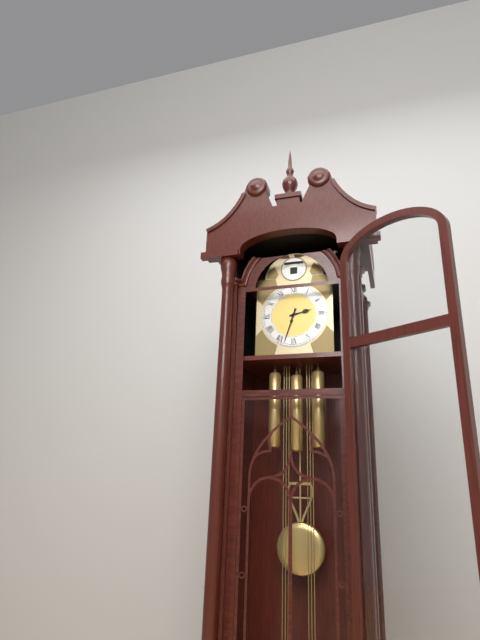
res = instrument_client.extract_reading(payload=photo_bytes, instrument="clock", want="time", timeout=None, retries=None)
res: 2:33
